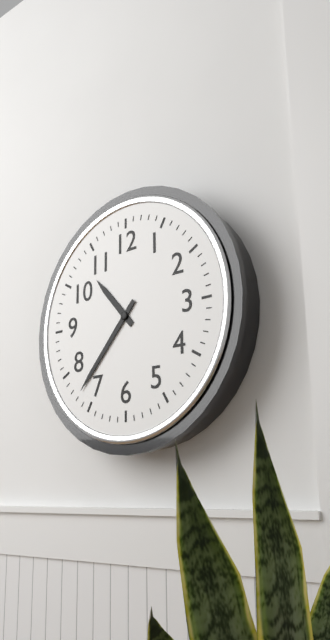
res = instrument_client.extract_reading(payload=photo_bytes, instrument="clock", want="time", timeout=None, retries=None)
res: 10:37
